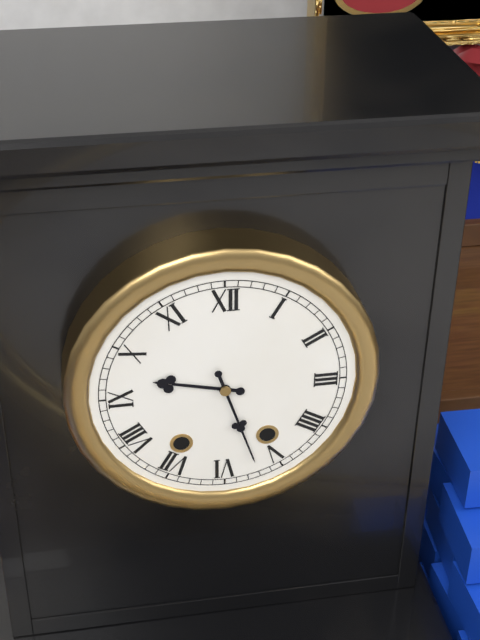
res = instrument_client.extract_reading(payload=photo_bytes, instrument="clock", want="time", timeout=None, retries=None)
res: 9:27
